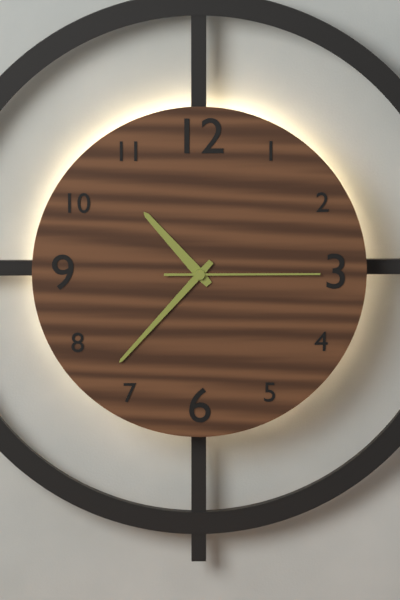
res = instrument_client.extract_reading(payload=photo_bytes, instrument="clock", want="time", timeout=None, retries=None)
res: 10:37:15
